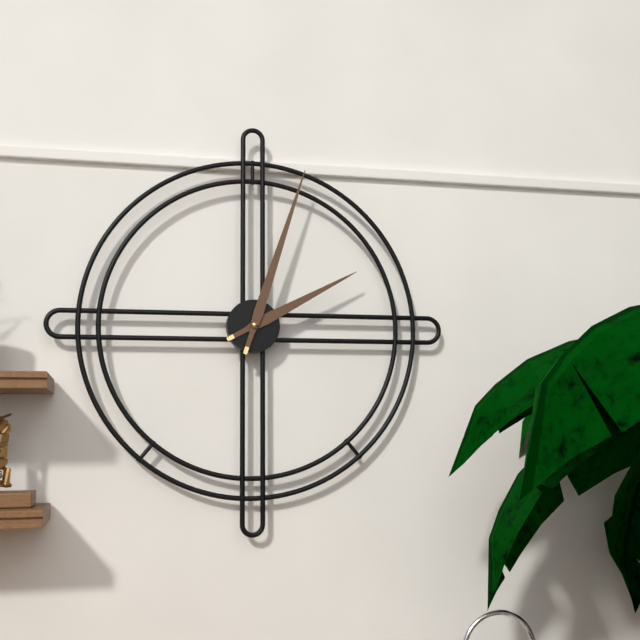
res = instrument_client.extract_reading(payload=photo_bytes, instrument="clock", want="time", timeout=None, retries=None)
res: 2:03
